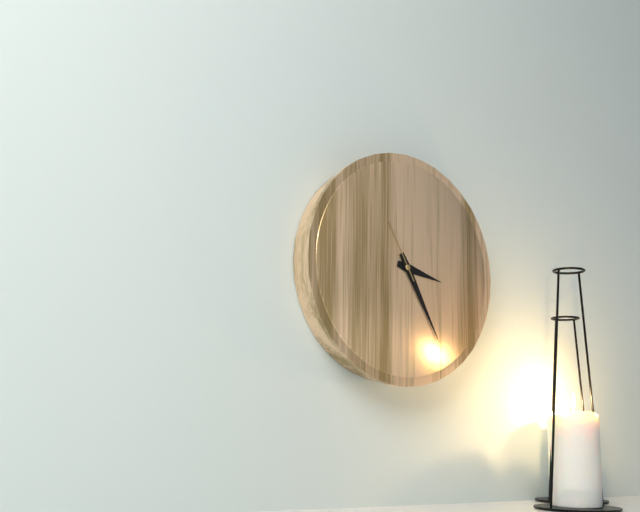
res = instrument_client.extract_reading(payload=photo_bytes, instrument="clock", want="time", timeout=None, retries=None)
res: 3:25:55
